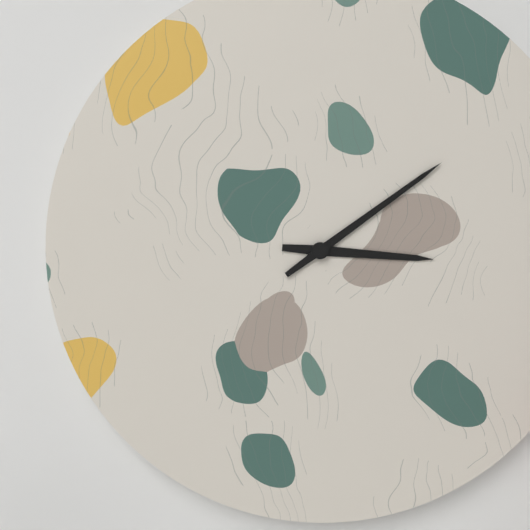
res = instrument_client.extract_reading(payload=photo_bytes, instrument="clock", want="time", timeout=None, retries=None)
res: 3:09
